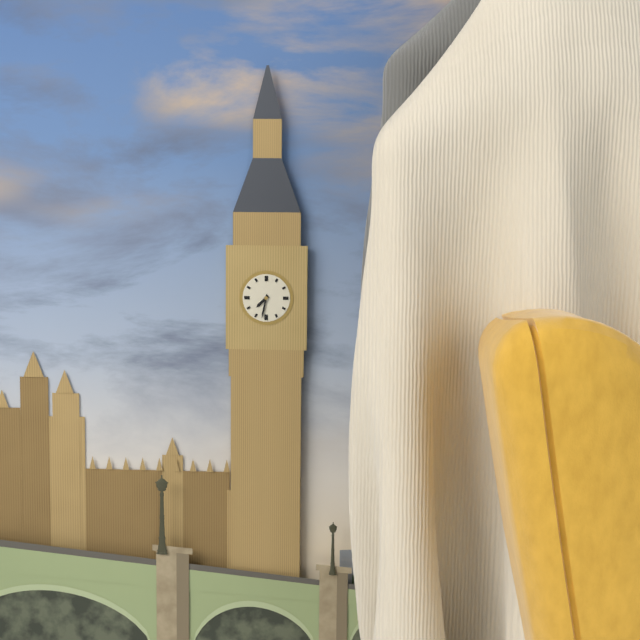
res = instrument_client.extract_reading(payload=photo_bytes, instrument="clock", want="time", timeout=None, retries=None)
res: 7:32
